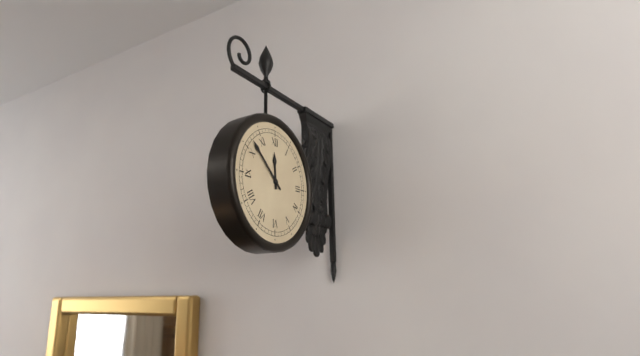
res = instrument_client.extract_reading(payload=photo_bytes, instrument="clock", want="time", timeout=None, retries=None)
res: 11:52
